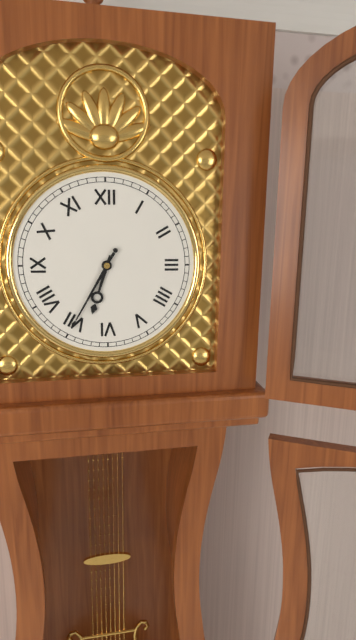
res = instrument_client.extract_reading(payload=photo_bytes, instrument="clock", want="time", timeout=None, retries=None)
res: 6:35
